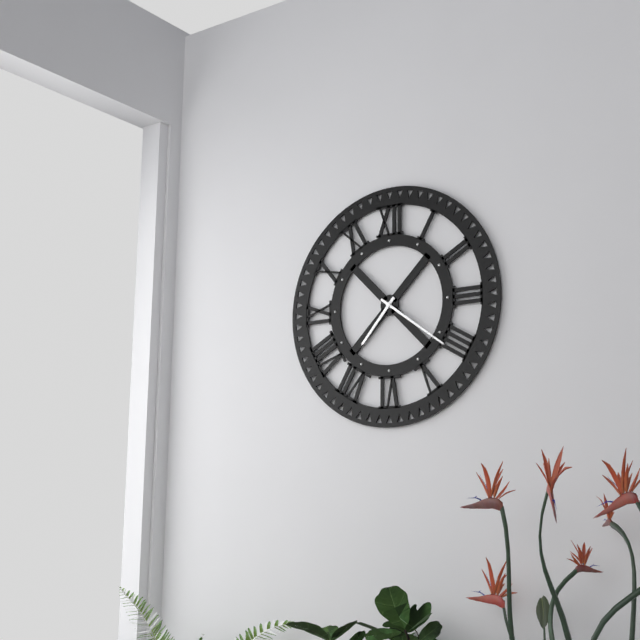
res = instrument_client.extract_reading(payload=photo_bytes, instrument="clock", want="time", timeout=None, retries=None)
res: 7:21
